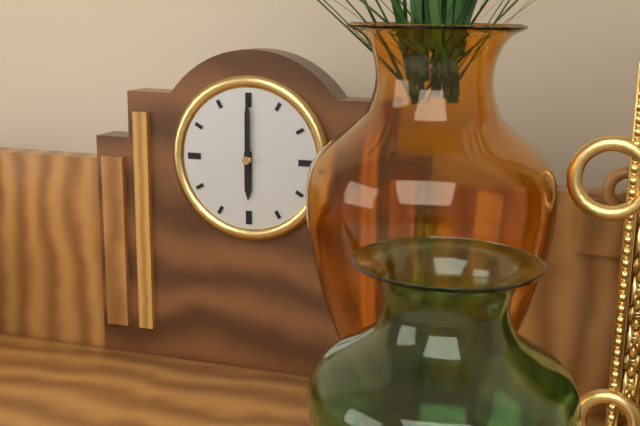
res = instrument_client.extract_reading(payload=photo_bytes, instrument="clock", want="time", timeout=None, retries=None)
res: 6:00
